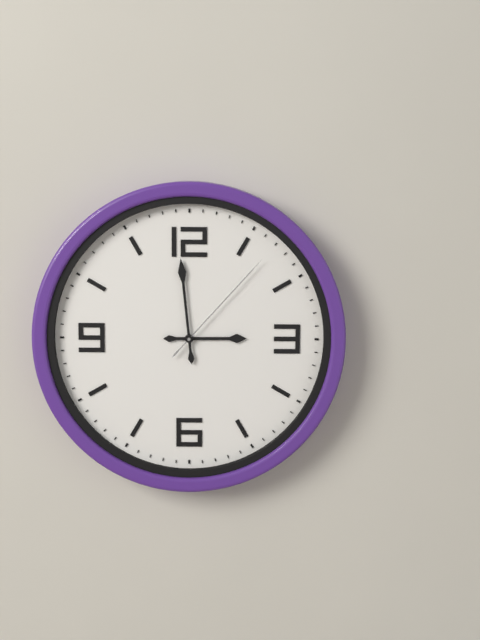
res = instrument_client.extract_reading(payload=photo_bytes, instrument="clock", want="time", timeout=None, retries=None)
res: 2:59:07
